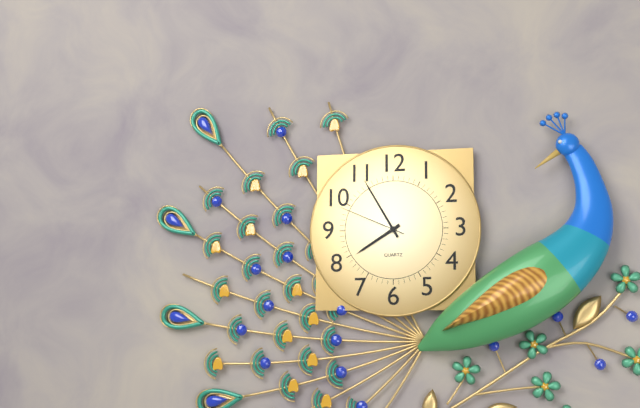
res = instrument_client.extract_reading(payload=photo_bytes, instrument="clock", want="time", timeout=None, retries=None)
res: 7:55:49
